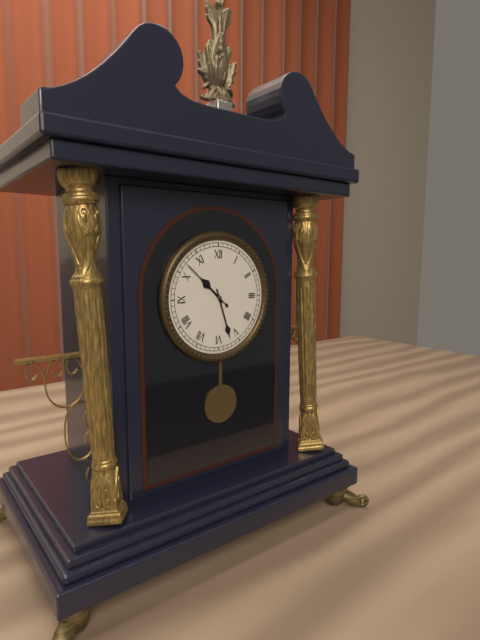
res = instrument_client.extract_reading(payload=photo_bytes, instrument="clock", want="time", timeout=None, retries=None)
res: 10:27:52
